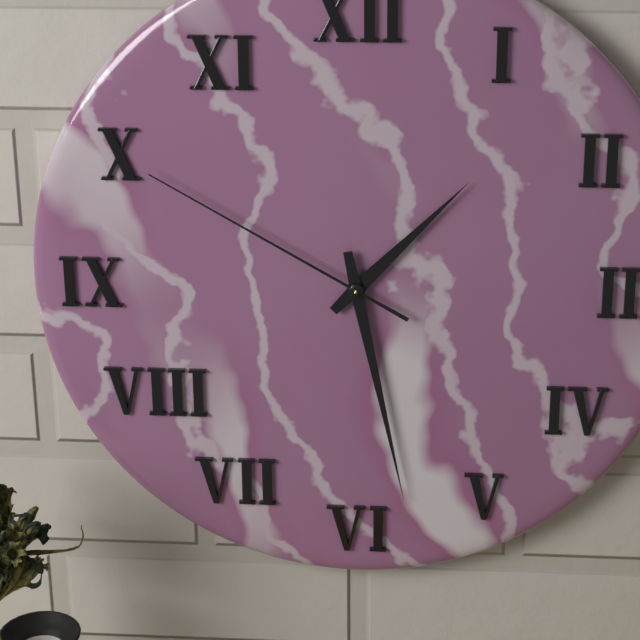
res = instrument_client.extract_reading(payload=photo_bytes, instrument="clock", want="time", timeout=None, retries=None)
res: 1:28:50
